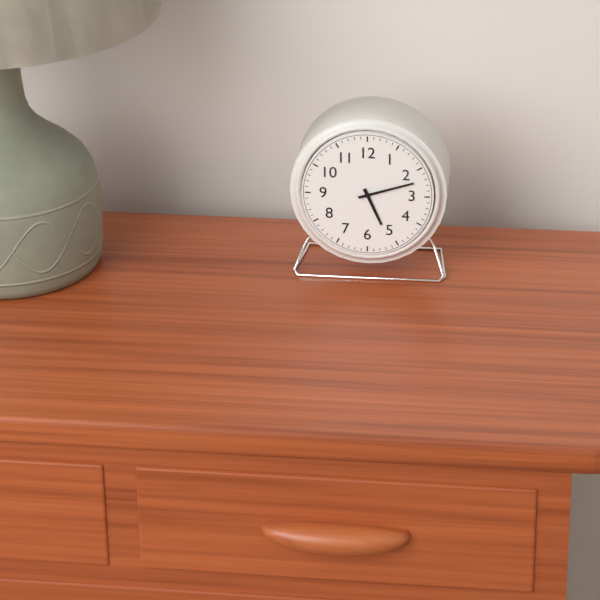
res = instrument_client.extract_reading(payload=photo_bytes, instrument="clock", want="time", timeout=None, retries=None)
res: 5:12
